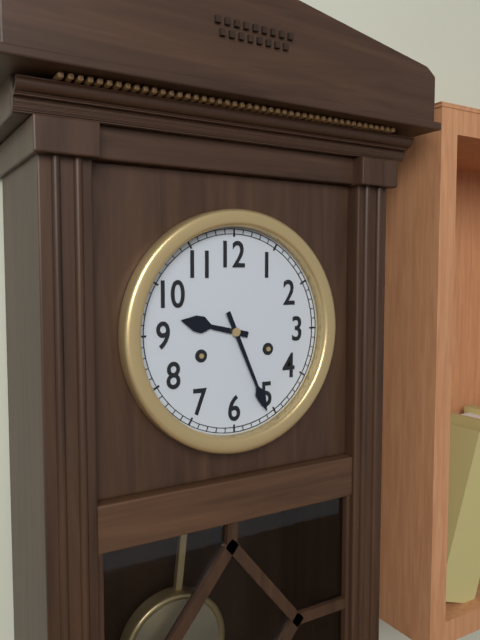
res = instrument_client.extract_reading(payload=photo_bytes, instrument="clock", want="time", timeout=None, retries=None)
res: 9:26
